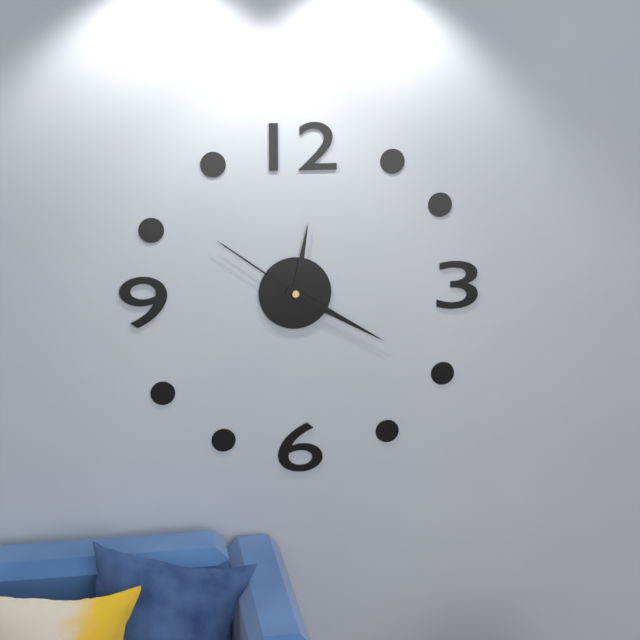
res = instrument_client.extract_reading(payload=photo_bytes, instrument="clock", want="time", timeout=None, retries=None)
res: 12:20:51
